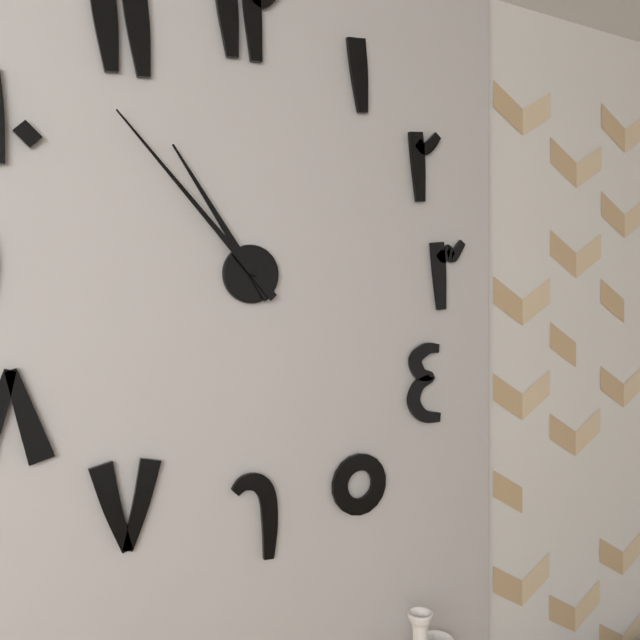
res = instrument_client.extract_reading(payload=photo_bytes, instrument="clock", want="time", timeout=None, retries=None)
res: 10:53
